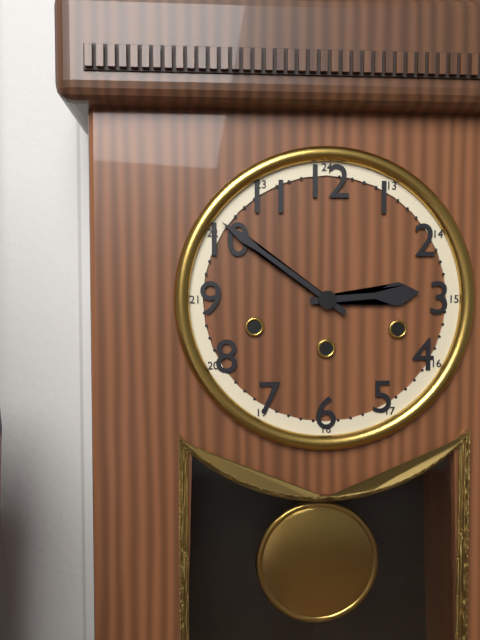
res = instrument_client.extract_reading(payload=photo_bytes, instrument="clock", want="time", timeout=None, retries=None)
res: 2:51
